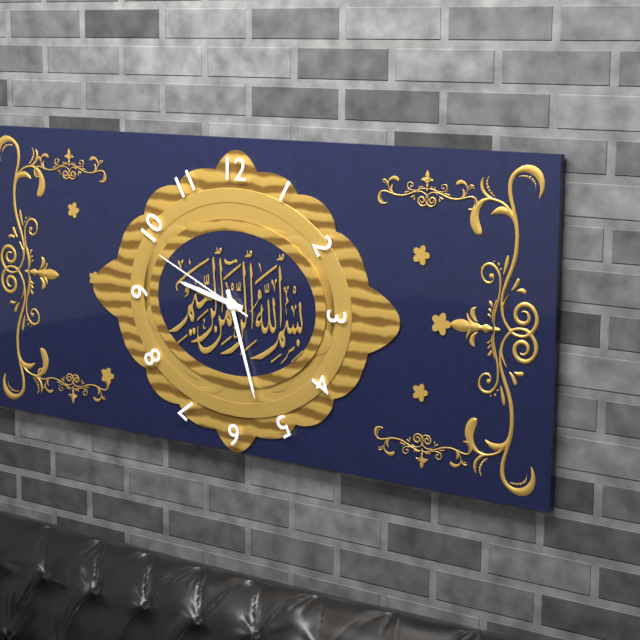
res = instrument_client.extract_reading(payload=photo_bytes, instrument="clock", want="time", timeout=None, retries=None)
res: 9:27:49
